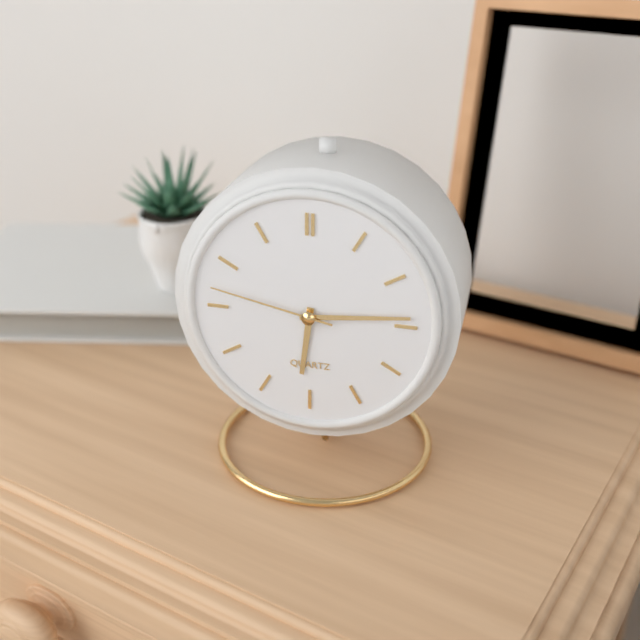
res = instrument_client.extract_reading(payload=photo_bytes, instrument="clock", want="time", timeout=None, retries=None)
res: 6:14:47
